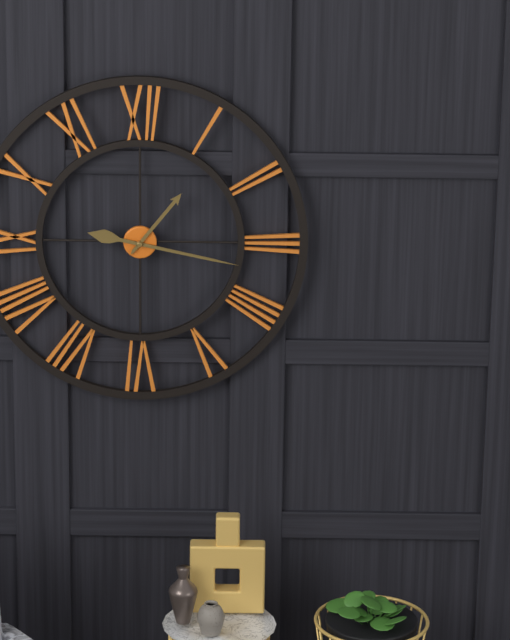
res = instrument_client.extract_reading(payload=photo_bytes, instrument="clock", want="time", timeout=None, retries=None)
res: 1:17
